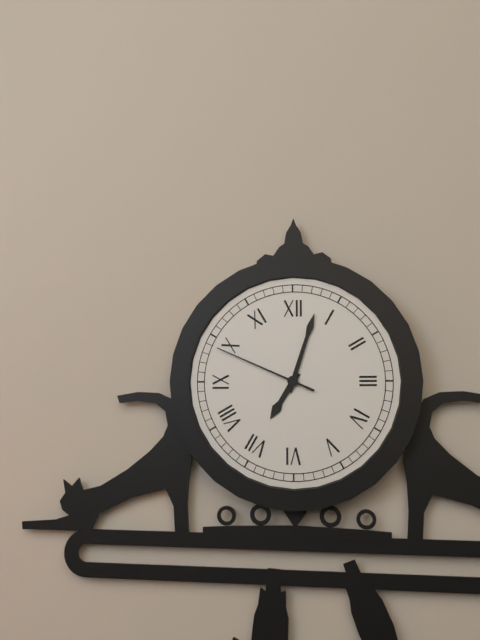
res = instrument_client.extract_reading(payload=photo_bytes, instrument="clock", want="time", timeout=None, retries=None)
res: 7:03:49
